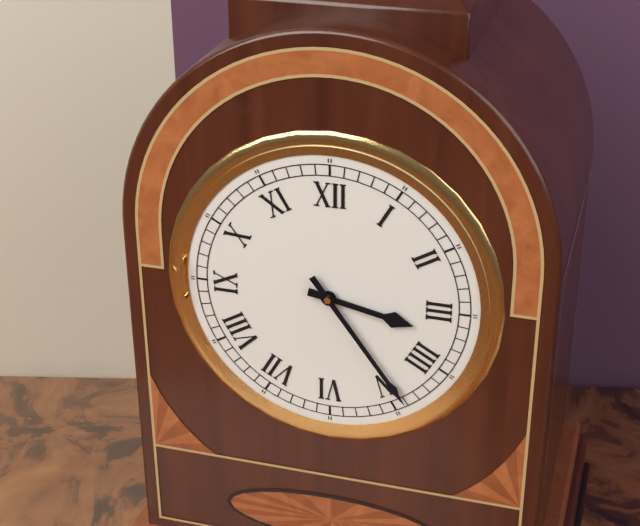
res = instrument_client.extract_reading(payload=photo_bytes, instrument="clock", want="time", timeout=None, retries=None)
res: 3:24
